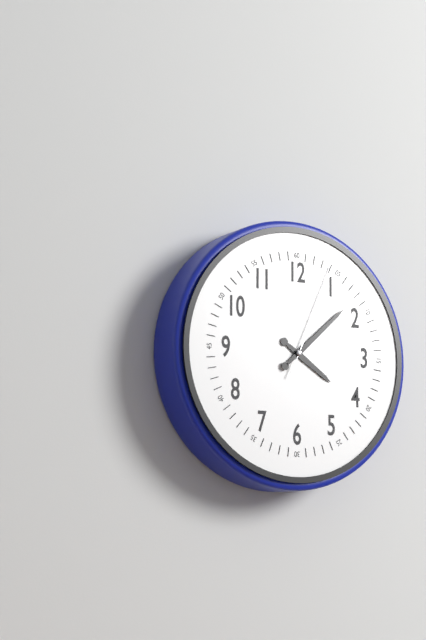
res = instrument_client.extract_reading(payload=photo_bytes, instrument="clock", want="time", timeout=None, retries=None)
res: 4:08:04
